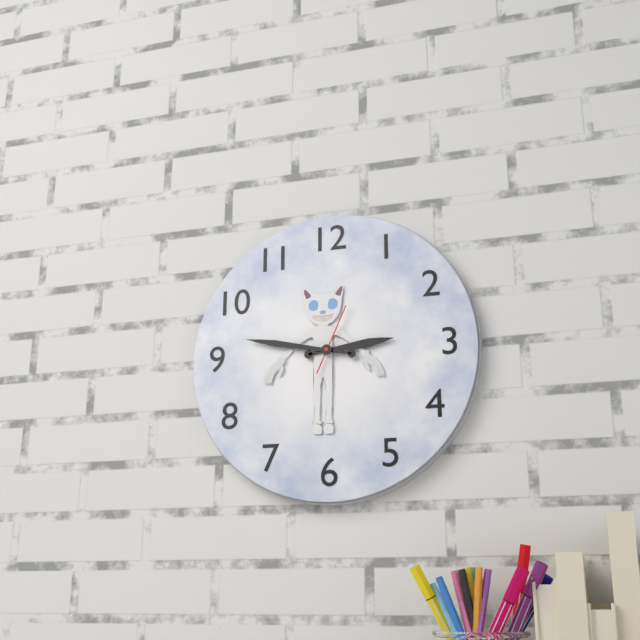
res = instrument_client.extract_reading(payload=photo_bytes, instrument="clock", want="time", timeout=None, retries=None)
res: 2:47:04
